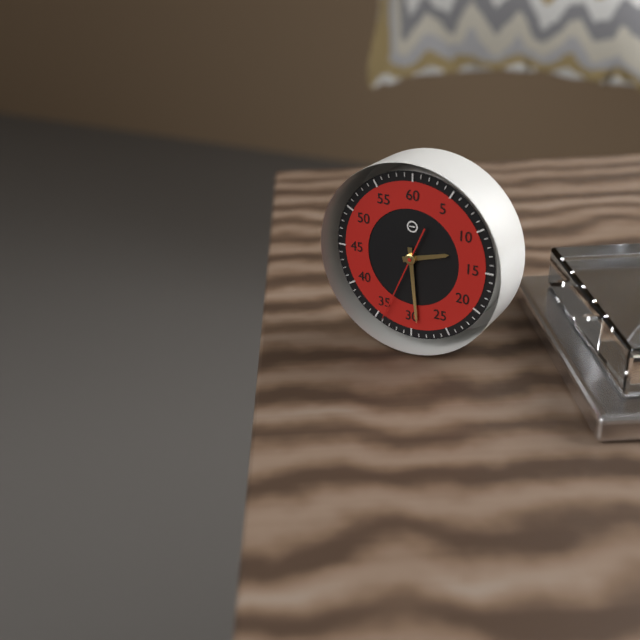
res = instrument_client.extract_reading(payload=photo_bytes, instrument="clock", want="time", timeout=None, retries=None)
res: 2:29:34
